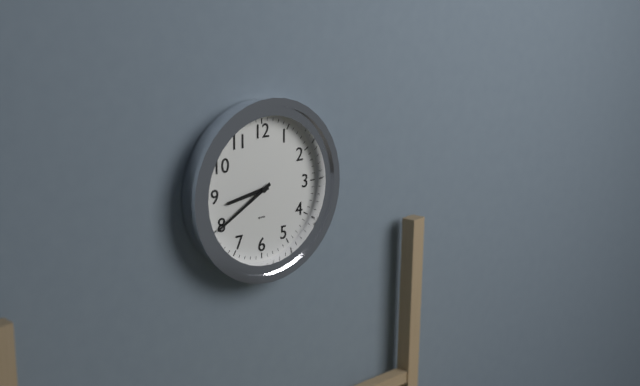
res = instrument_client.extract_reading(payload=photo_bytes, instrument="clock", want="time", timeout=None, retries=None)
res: 8:40
